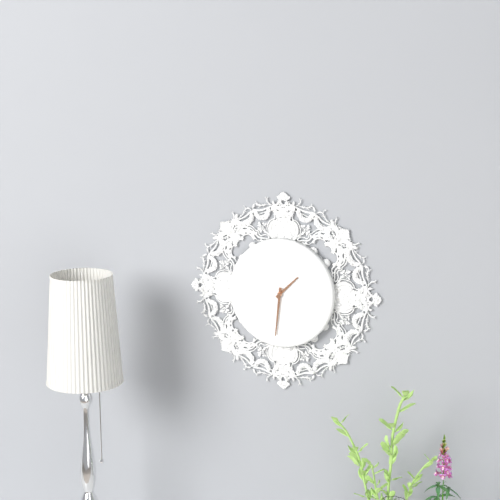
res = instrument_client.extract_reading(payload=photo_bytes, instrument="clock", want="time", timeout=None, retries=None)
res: 1:31
